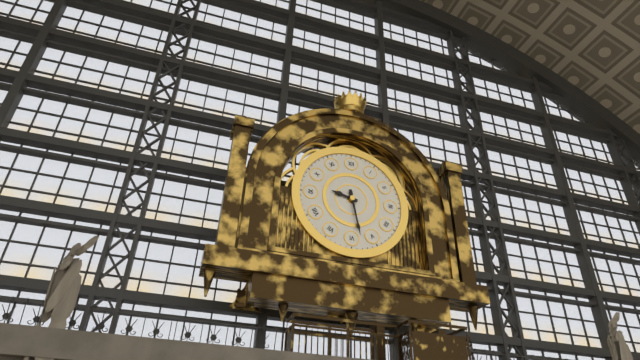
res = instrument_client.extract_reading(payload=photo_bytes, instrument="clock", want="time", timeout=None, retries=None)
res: 9:28
